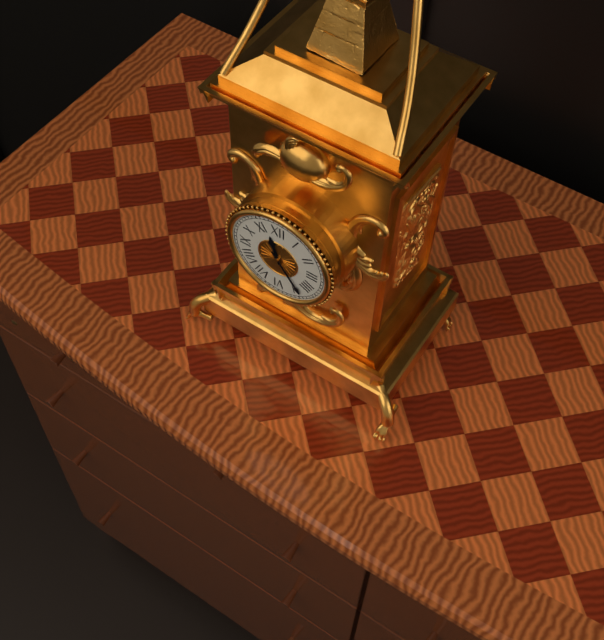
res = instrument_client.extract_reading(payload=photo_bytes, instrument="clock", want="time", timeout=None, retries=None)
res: 11:24
